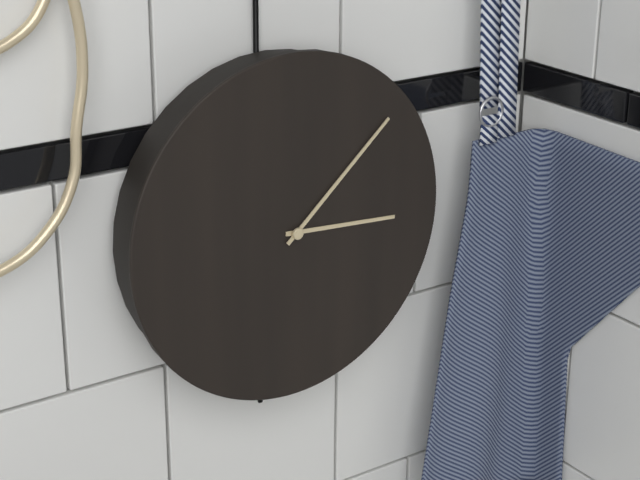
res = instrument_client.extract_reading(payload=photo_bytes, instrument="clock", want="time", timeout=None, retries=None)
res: 3:08
